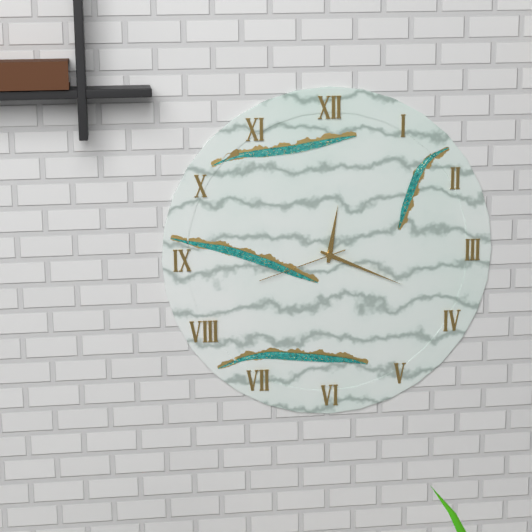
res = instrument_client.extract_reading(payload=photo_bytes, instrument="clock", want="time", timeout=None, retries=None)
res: 12:19:42
